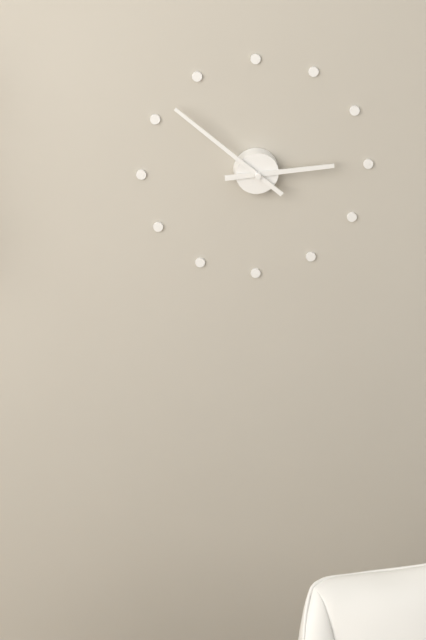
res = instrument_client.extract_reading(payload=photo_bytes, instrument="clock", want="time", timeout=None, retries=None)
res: 2:52
